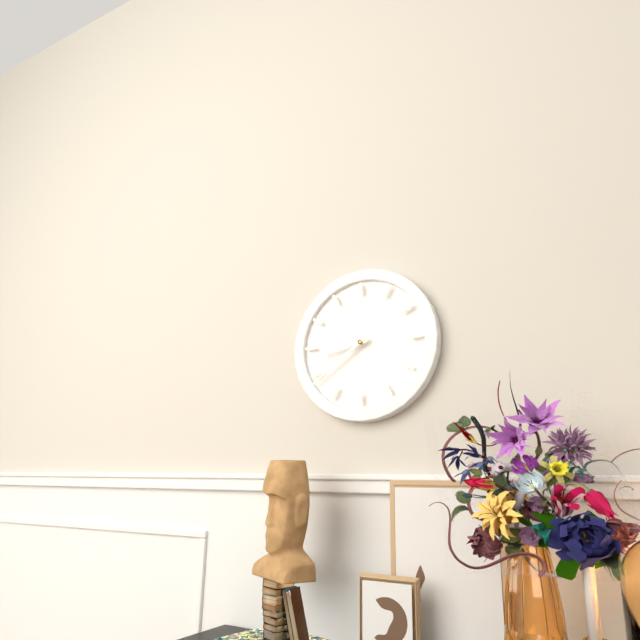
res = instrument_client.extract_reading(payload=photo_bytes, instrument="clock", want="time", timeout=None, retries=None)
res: 8:39
